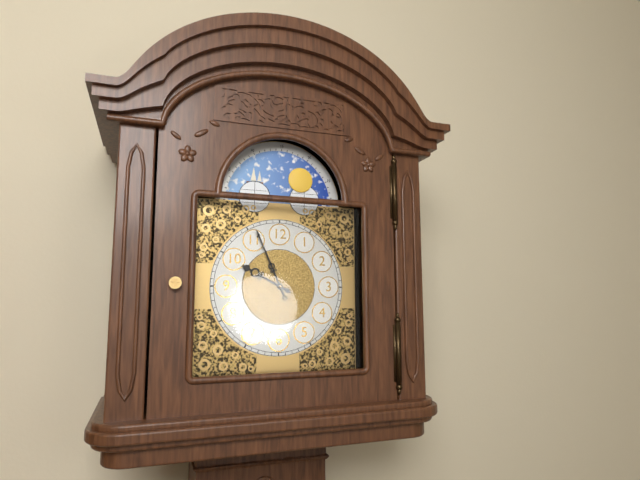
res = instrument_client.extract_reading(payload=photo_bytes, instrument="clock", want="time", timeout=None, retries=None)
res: 9:56
